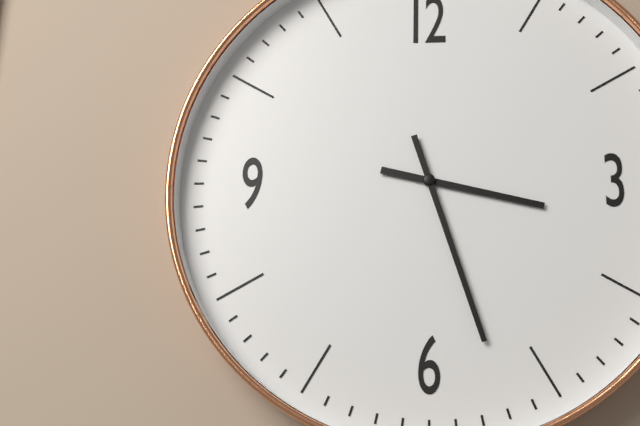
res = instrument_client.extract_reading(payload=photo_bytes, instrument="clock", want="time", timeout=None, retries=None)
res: 3:27
